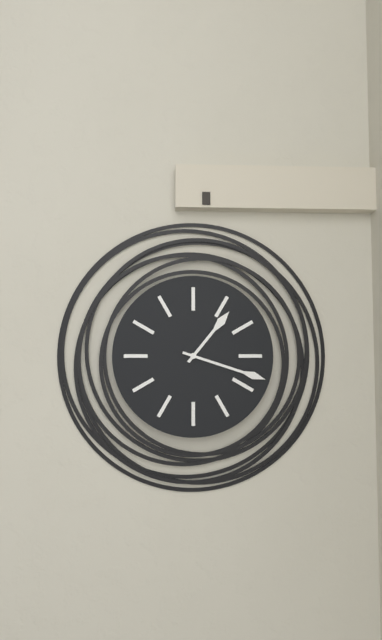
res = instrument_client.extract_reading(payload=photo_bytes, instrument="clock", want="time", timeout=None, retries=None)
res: 1:18
